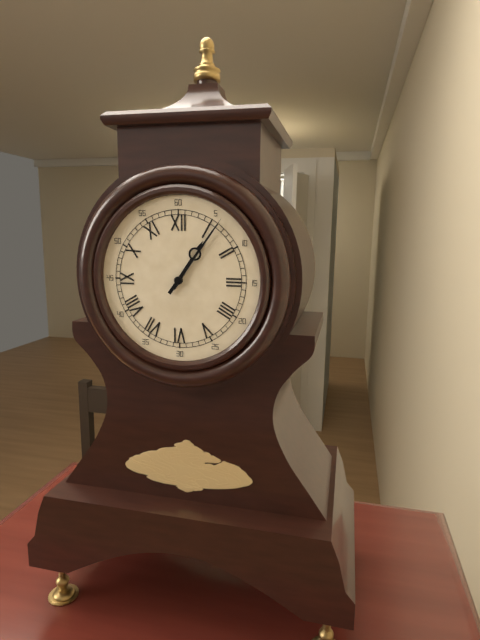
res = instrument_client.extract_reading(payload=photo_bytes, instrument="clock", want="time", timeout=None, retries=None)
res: 1:06
